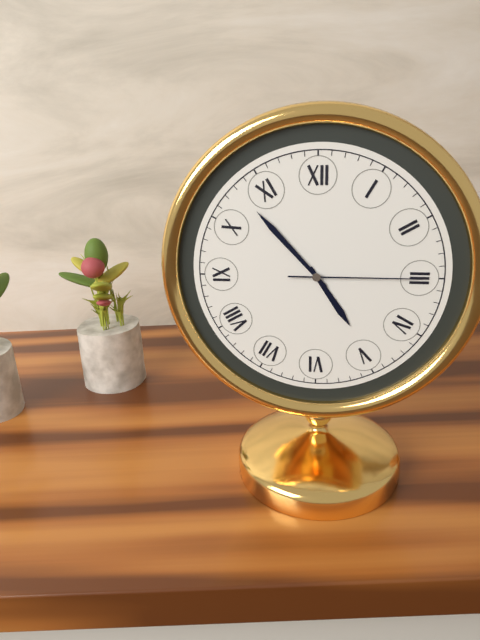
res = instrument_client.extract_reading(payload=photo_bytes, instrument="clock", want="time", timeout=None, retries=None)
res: 4:53:15
